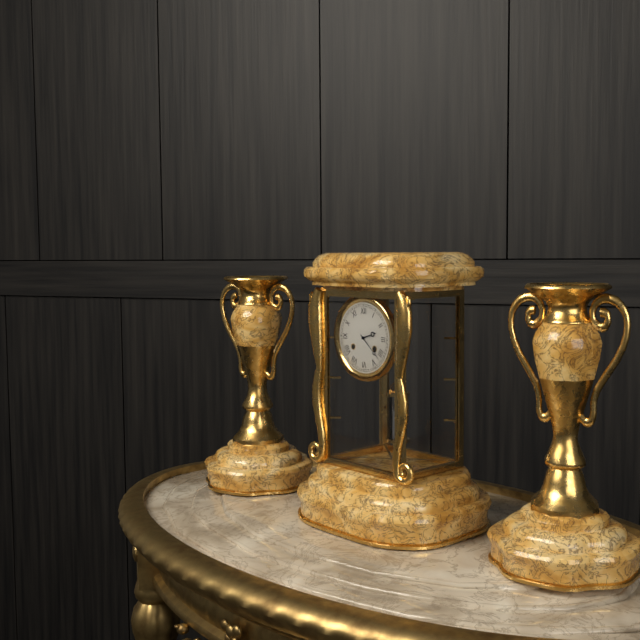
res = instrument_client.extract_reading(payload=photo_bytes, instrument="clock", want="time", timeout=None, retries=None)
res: 2:22
